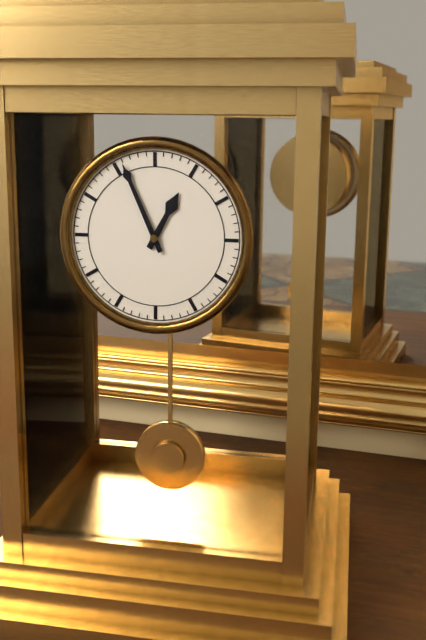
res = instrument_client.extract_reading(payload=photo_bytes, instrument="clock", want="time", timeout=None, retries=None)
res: 12:56
